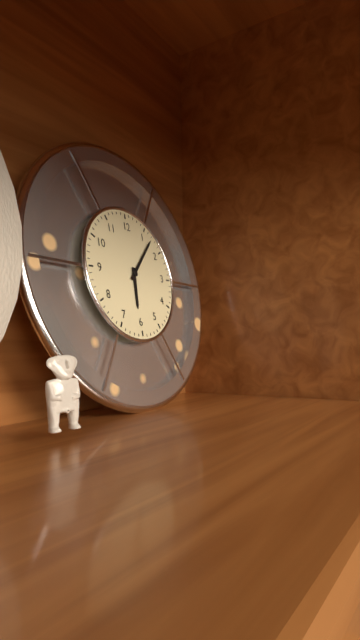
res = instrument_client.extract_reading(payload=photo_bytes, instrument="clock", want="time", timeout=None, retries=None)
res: 6:07
